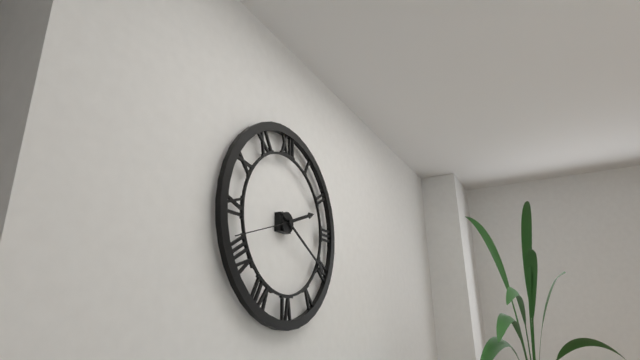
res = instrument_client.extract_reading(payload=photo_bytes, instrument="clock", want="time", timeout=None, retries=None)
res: 2:20:42
